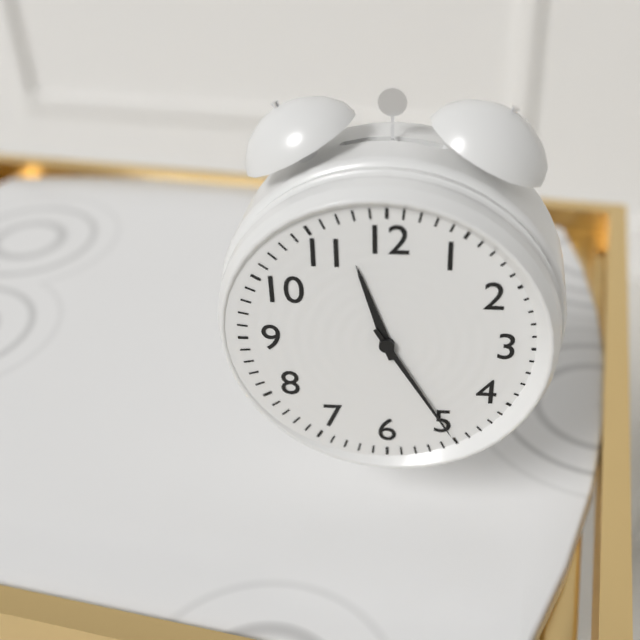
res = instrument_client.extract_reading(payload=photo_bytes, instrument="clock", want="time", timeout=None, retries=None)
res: 11:25
